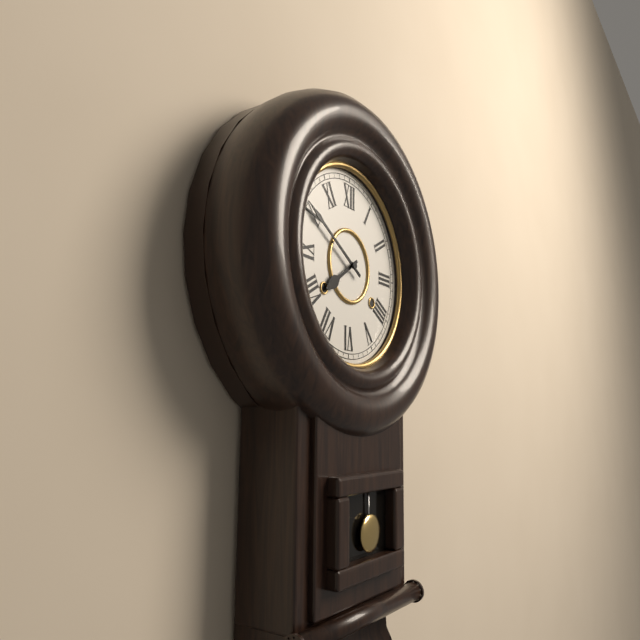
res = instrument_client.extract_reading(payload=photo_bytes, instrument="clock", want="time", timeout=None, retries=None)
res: 7:50
